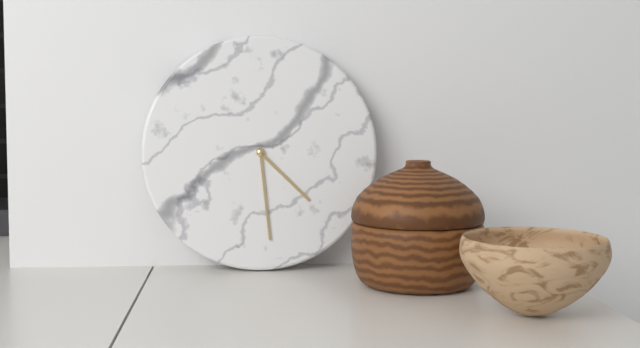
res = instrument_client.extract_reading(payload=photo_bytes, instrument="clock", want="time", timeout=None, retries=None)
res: 4:29
